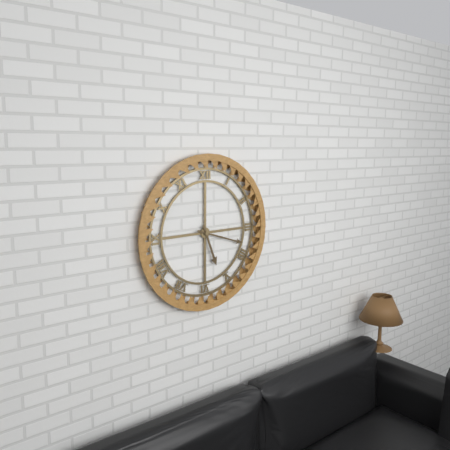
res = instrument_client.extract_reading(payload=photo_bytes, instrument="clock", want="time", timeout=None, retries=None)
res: 5:18
